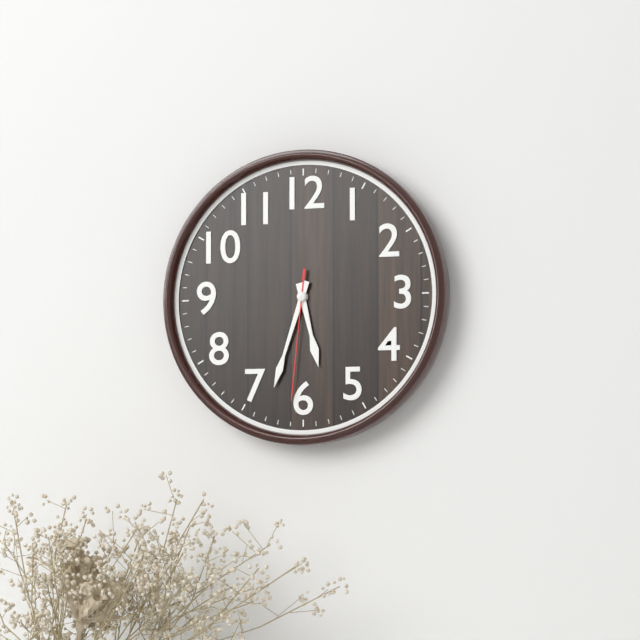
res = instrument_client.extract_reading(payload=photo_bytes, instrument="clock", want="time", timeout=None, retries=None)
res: 5:33:31
